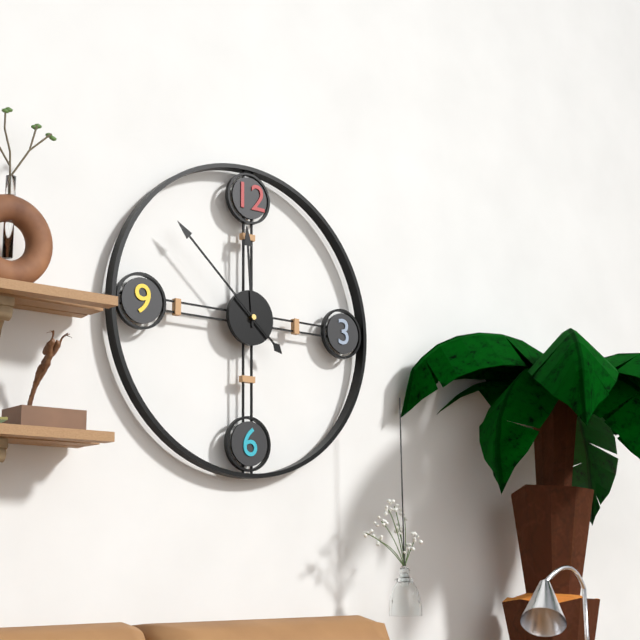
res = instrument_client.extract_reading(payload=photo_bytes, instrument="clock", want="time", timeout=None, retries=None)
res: 11:52
